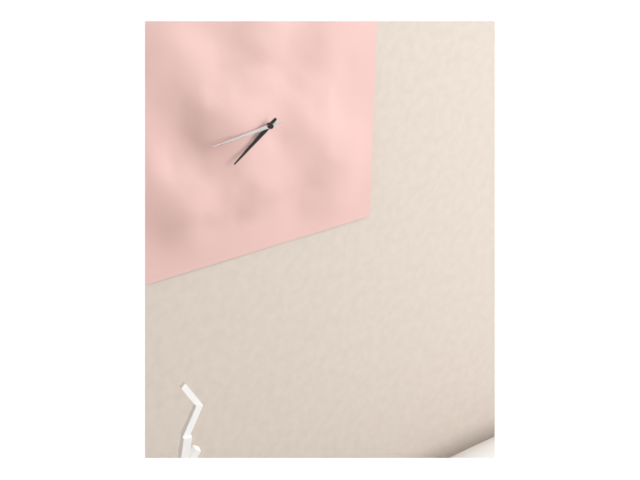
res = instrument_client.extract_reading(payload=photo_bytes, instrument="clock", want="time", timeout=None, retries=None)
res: 7:44
